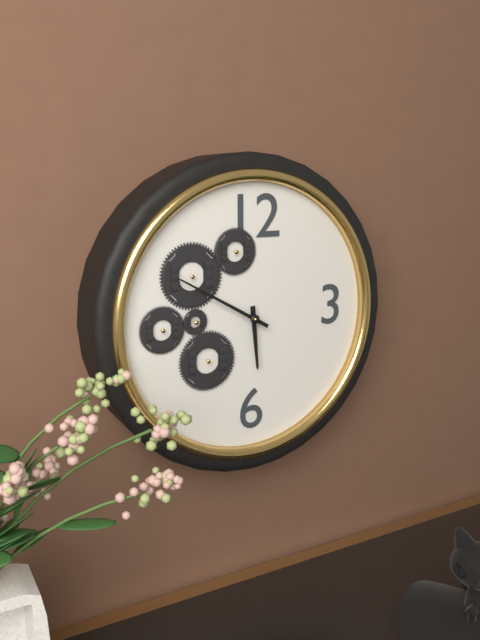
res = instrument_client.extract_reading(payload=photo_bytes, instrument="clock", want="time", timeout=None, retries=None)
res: 5:50
